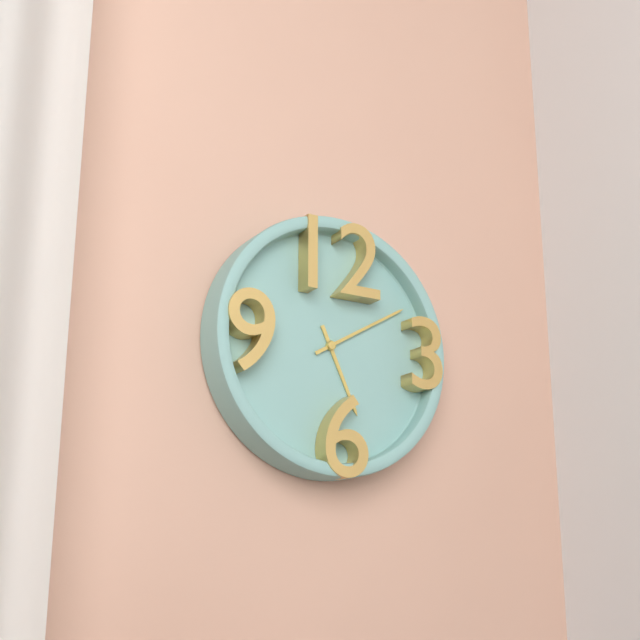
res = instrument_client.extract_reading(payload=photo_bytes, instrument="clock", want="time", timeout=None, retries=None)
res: 5:10
